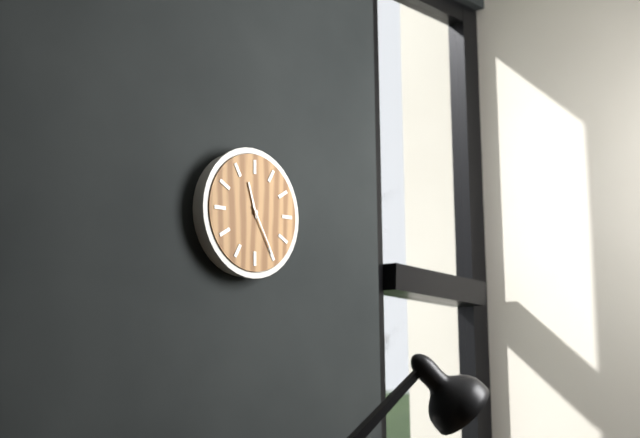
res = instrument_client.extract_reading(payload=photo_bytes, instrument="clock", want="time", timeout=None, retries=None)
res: 11:25
